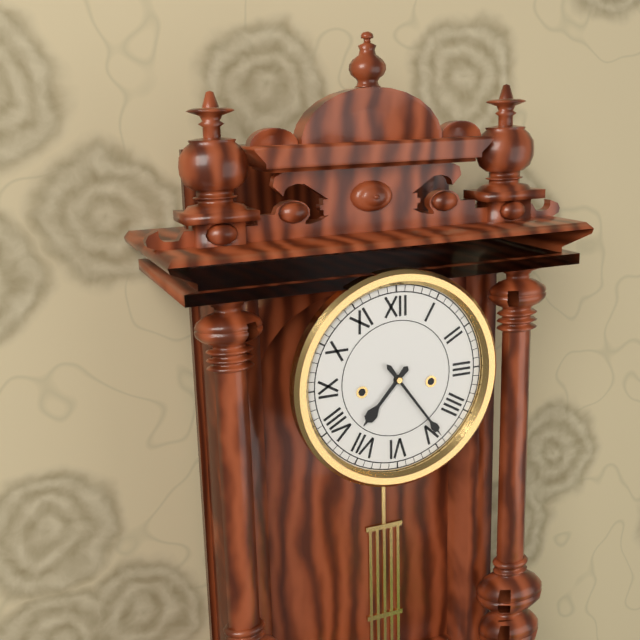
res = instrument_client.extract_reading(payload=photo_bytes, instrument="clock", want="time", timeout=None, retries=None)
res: 7:24
